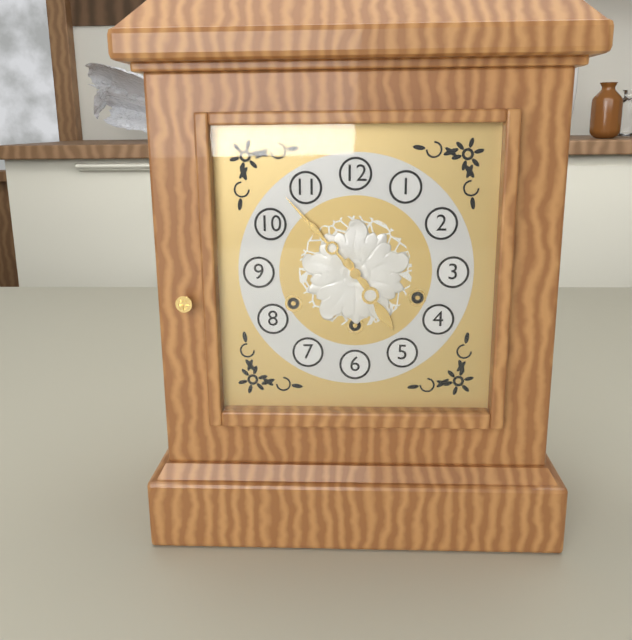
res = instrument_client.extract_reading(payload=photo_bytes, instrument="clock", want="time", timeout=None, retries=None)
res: 4:53
